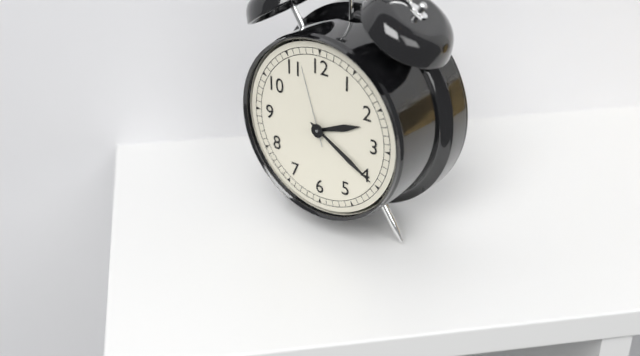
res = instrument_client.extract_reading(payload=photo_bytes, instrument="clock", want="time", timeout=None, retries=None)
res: 2:20:57
